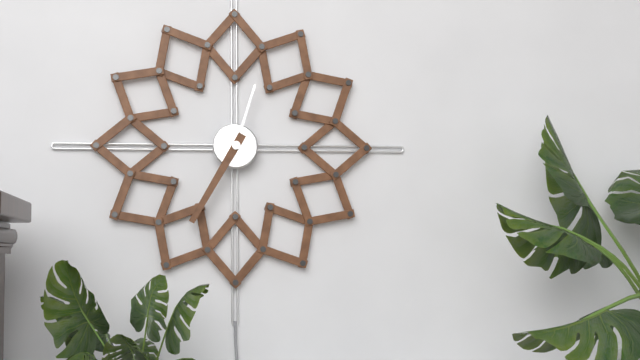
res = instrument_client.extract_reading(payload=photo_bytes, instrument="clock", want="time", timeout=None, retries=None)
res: 12:35
